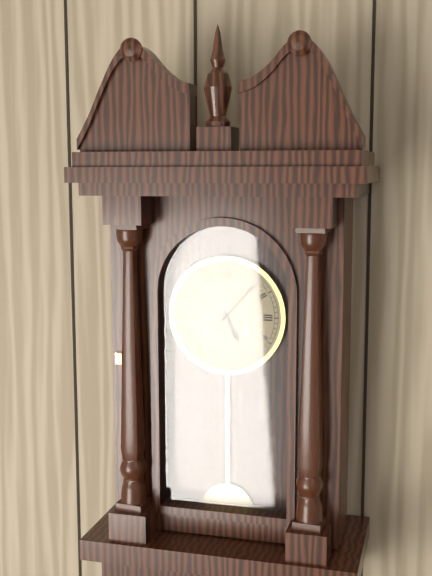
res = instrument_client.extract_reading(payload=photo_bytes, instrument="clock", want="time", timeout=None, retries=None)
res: 5:07
